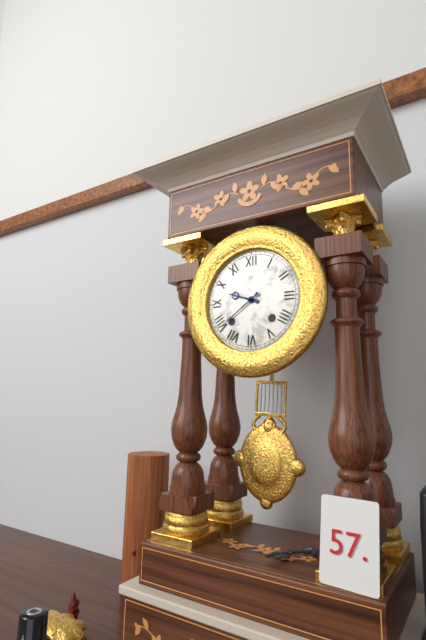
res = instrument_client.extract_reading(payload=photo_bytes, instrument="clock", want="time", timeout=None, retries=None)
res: 9:39
